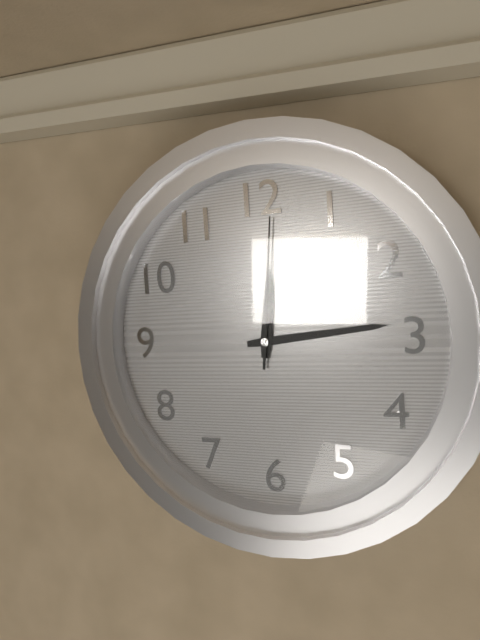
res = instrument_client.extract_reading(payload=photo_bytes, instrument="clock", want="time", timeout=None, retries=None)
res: 12:14:01
